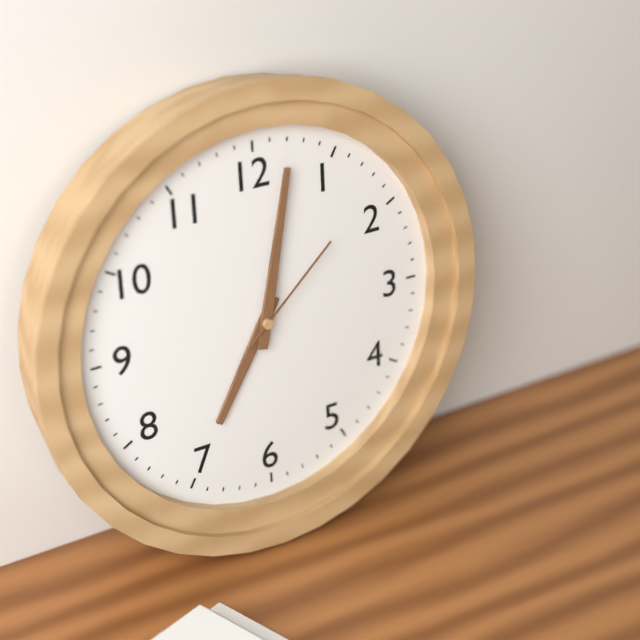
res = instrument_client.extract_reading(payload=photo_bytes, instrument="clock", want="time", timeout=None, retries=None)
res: 7:02:08
